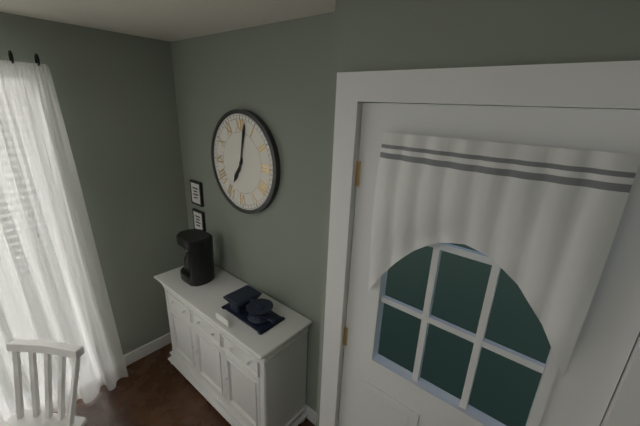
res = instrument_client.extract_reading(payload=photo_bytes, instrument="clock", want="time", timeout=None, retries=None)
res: 7:02
